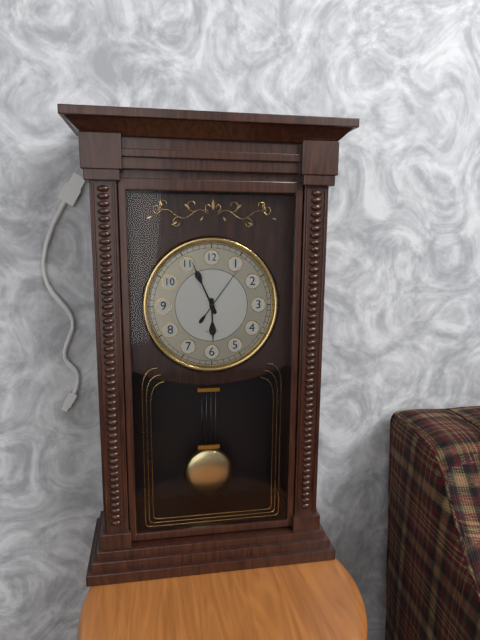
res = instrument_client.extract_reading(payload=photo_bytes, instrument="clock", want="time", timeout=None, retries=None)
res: 5:56:06
